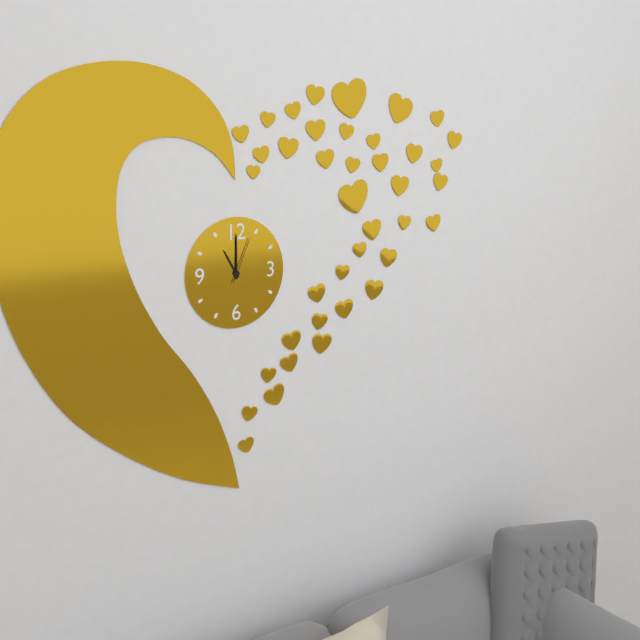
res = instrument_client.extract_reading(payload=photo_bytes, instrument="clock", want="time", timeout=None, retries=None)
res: 11:00
